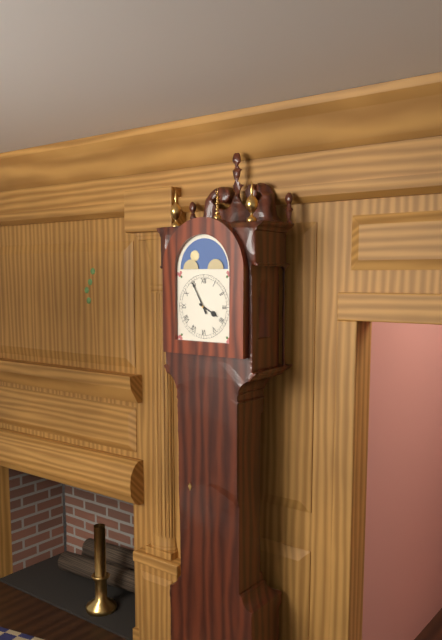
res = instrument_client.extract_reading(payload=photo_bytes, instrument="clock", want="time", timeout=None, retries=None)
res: 3:55
